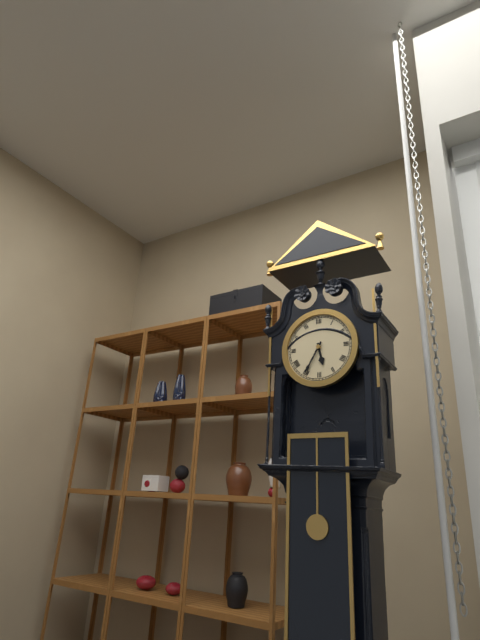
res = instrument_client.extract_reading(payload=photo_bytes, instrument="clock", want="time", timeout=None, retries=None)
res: 5:35
